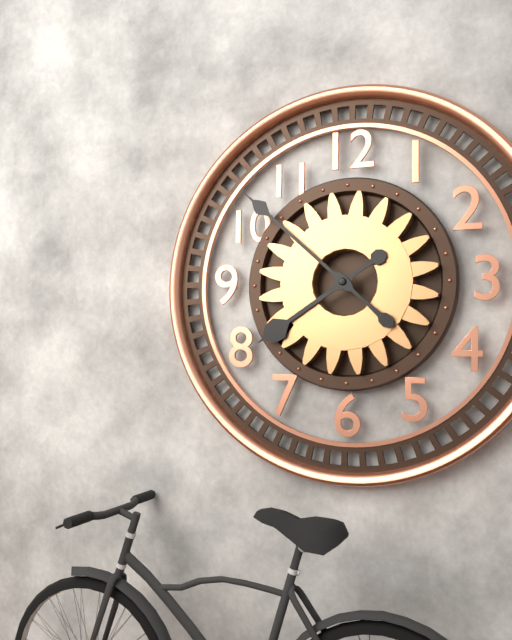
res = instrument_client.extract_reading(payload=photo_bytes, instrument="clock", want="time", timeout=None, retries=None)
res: 7:52
